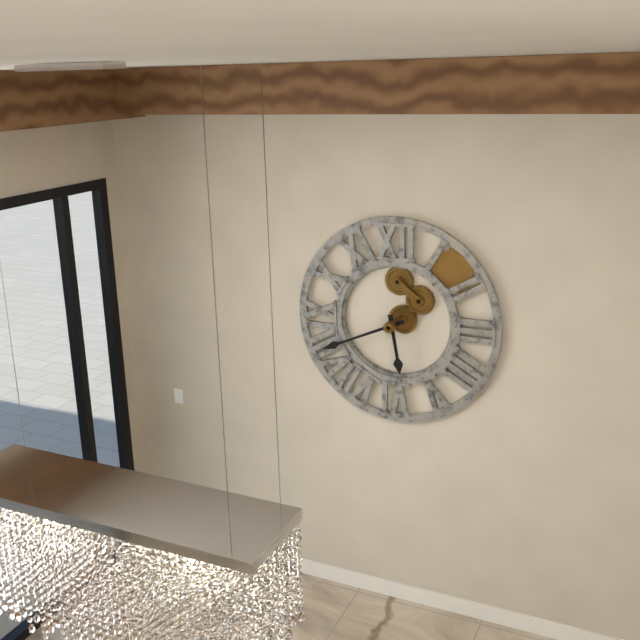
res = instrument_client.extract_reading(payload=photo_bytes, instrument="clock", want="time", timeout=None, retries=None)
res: 5:41
